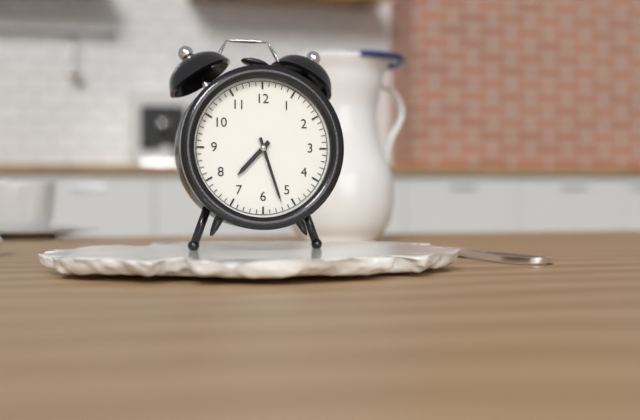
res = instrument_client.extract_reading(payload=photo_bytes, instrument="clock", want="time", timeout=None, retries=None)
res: 7:27
